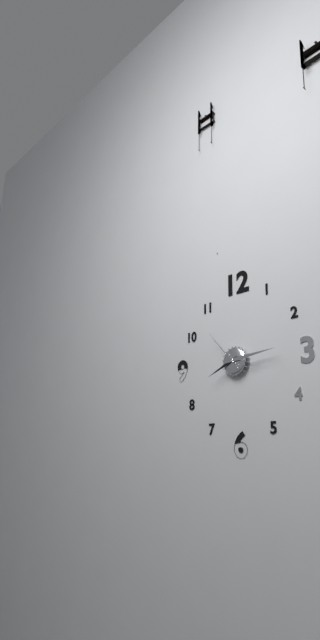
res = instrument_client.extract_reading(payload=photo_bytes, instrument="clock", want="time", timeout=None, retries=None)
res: 8:14
